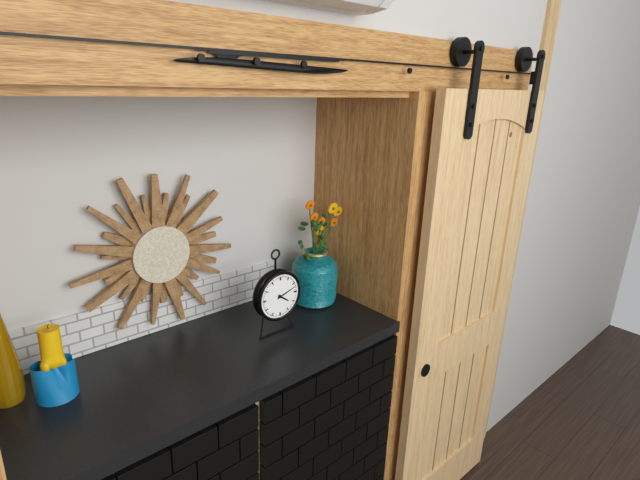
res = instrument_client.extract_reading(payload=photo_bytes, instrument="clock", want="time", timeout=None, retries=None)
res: 4:12
